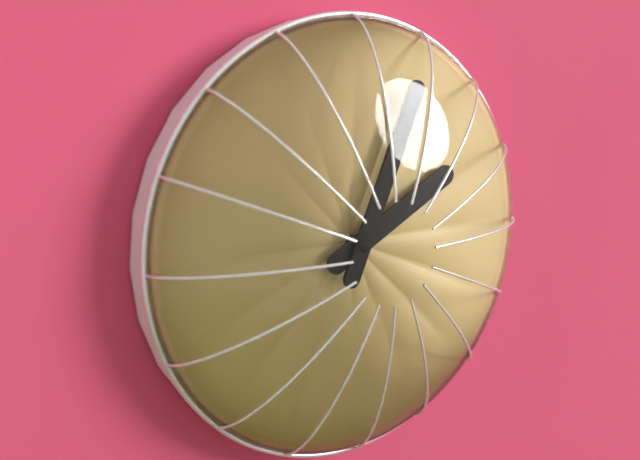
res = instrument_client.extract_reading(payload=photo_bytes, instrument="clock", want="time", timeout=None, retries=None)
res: 2:04
